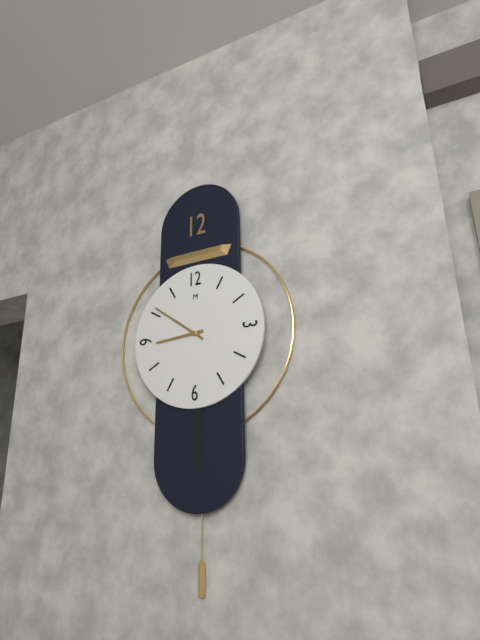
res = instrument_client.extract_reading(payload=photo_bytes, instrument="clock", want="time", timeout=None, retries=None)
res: 8:51
